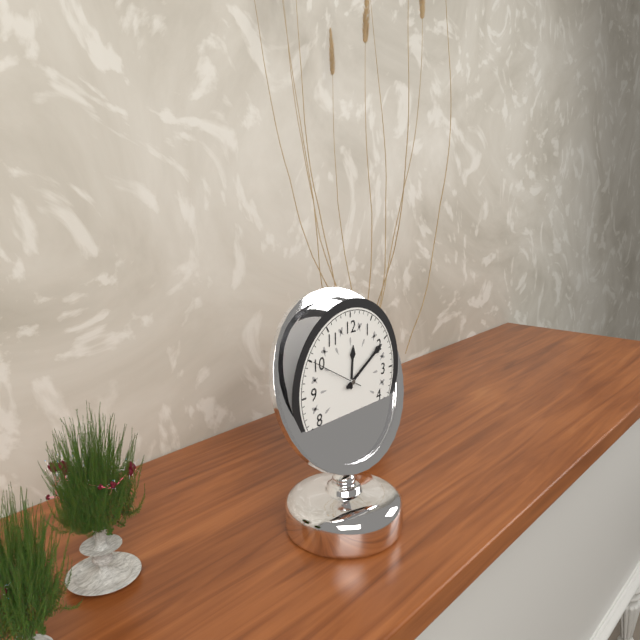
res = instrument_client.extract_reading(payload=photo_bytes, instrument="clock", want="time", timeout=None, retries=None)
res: 12:10:50
